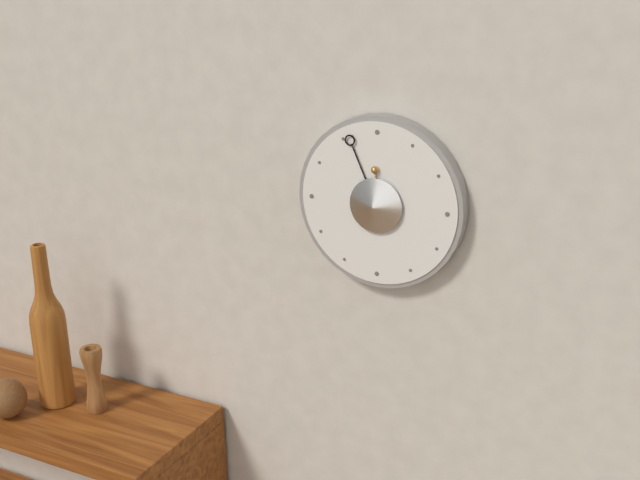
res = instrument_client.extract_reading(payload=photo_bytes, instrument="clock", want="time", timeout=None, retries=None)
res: 11:56
